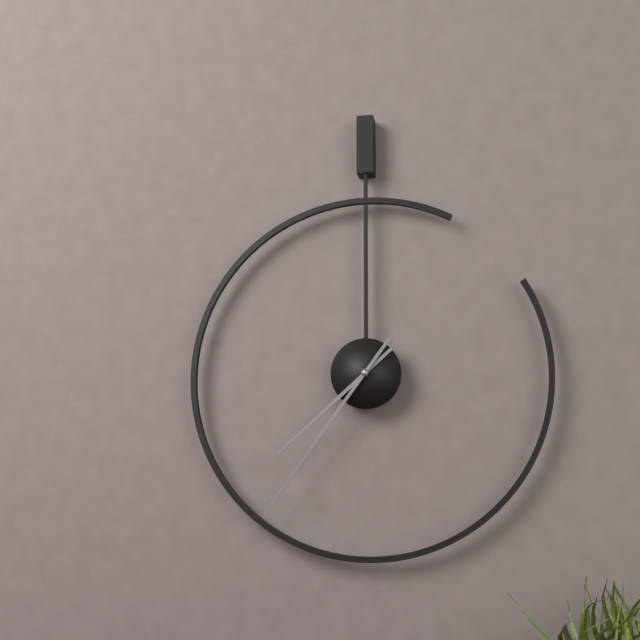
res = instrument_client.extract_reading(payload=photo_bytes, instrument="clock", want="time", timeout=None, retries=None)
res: 7:36
